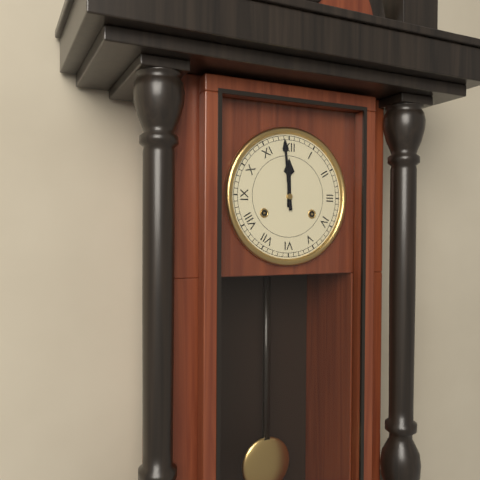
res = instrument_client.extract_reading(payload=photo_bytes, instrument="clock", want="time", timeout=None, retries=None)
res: 11:59
